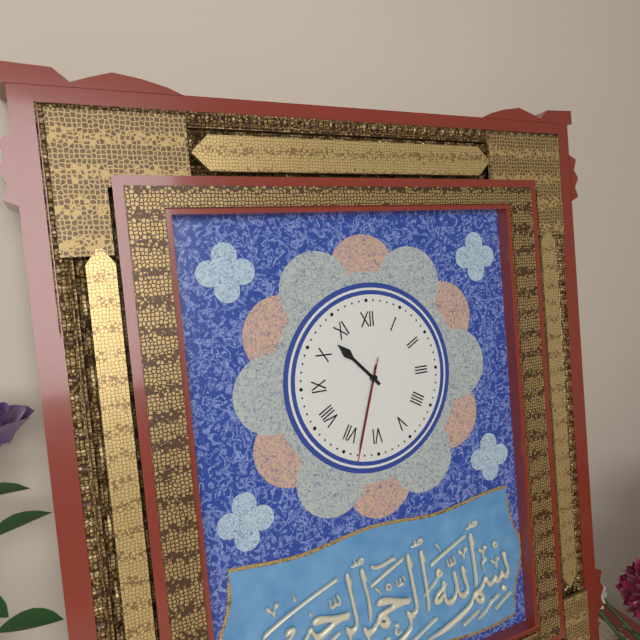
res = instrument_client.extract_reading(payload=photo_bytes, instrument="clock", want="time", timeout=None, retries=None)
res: 10:33:33
